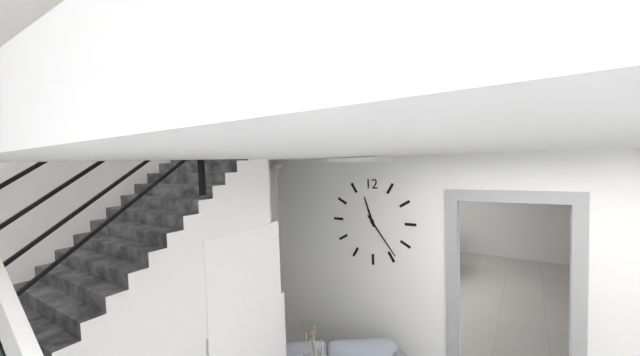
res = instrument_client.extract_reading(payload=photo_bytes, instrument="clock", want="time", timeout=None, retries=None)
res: 11:24
